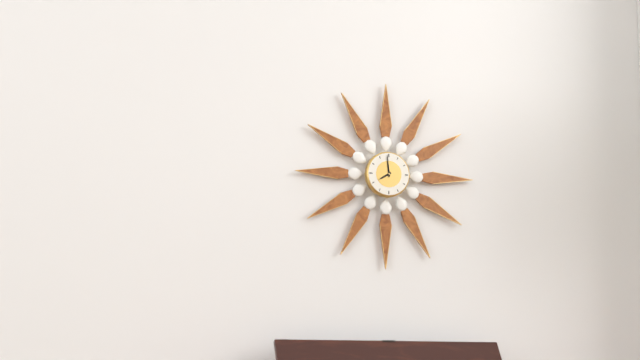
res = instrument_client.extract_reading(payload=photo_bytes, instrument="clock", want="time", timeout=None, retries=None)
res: 7:59
